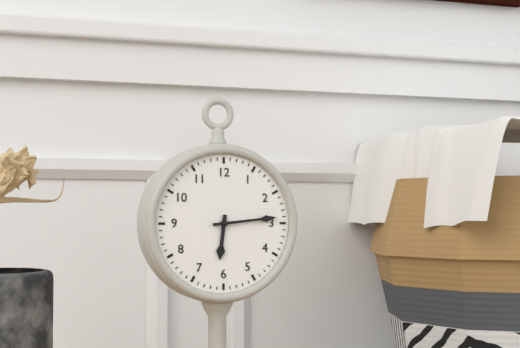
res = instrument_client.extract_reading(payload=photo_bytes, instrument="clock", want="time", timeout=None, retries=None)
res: 6:14
